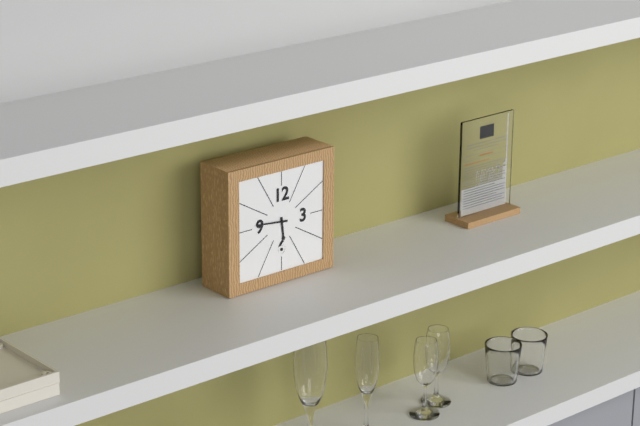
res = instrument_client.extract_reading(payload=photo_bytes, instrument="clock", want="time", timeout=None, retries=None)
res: 5:46
